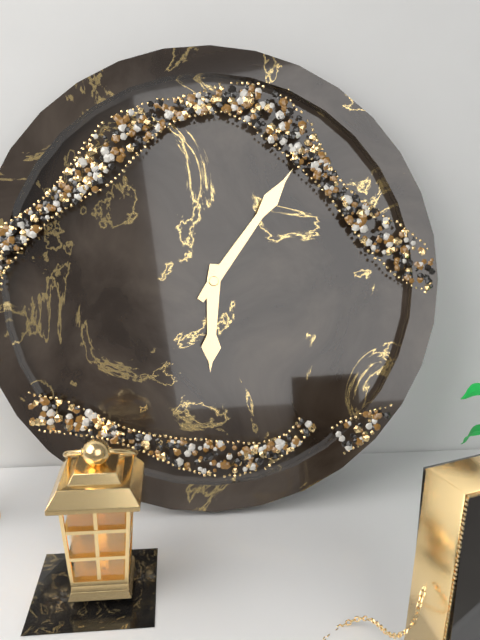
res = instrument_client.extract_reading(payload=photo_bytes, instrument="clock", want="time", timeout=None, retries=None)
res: 6:06
